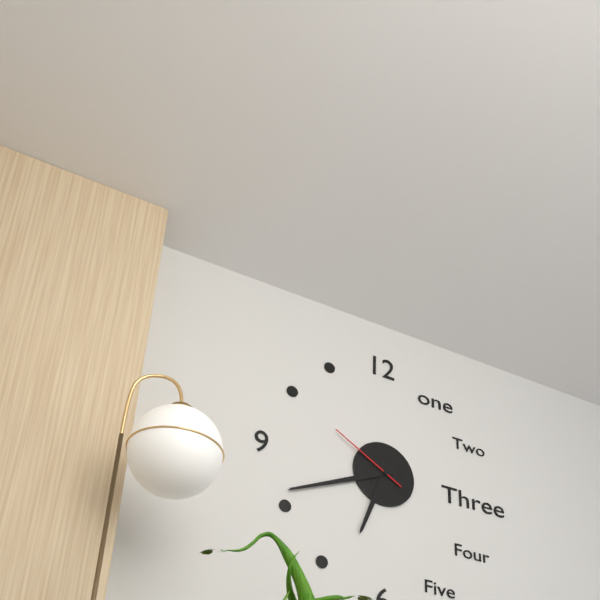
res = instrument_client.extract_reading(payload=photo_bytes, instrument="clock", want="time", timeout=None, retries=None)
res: 6:41:50
